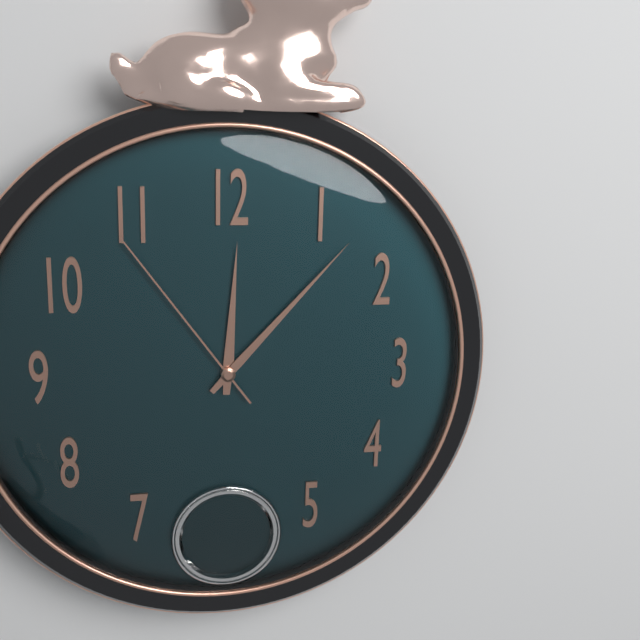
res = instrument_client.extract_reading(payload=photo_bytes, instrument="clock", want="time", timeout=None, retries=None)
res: 12:07:54
